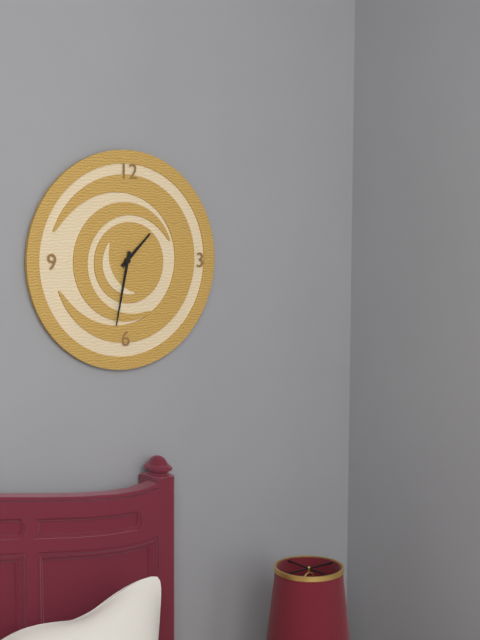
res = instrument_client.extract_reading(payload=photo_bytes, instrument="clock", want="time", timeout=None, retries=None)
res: 1:32
